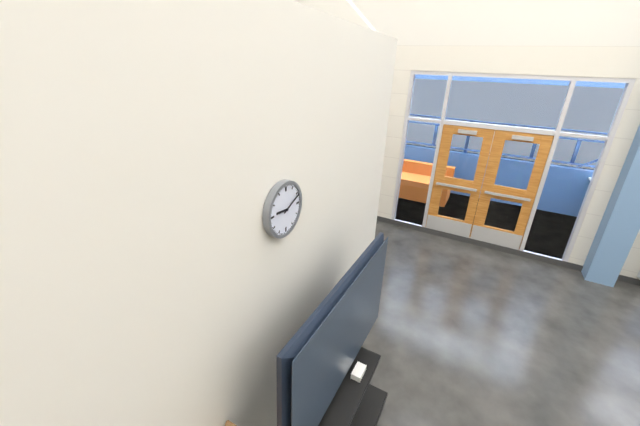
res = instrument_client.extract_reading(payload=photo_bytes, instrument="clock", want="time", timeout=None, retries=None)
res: 9:11
